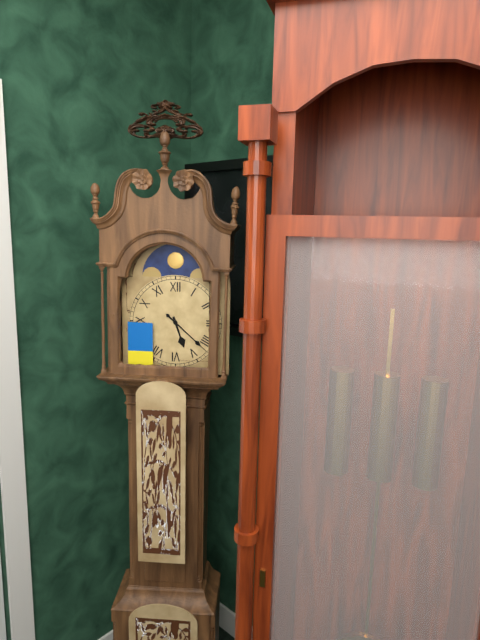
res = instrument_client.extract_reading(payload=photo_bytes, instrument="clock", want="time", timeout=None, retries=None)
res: 5:22
